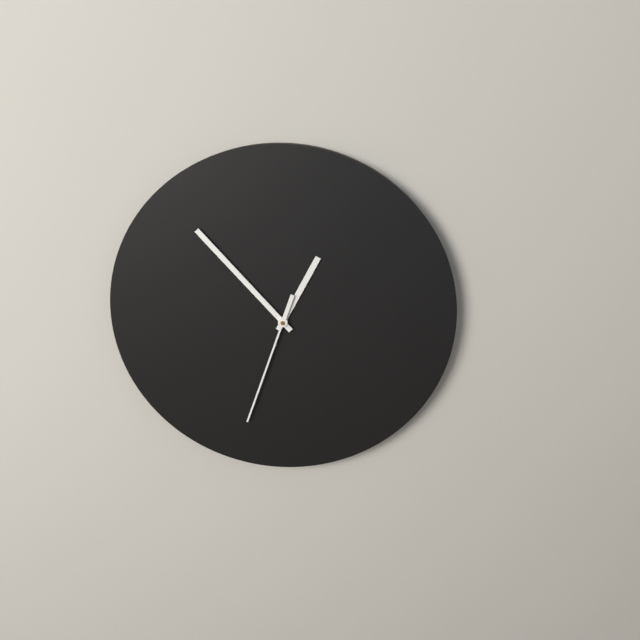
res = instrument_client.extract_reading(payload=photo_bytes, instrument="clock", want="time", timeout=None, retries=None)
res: 12:53:33
